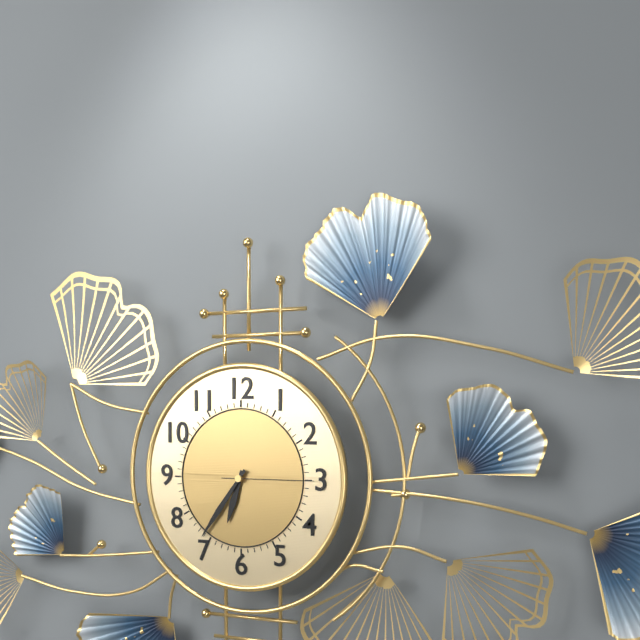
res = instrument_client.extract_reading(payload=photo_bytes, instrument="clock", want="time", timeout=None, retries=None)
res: 6:36:15
